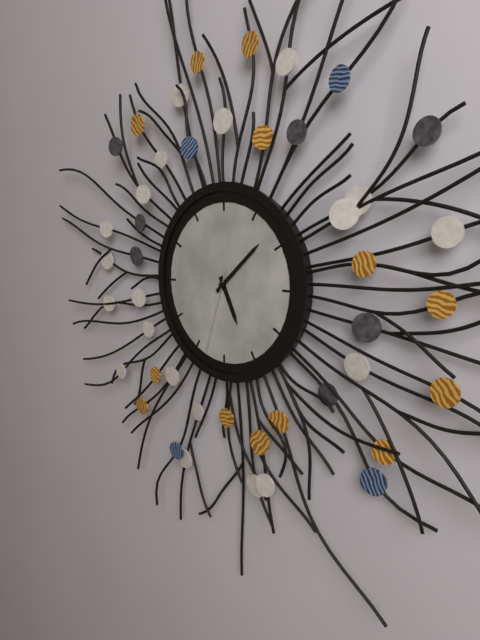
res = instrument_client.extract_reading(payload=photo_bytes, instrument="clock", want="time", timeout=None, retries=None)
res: 5:08:33
